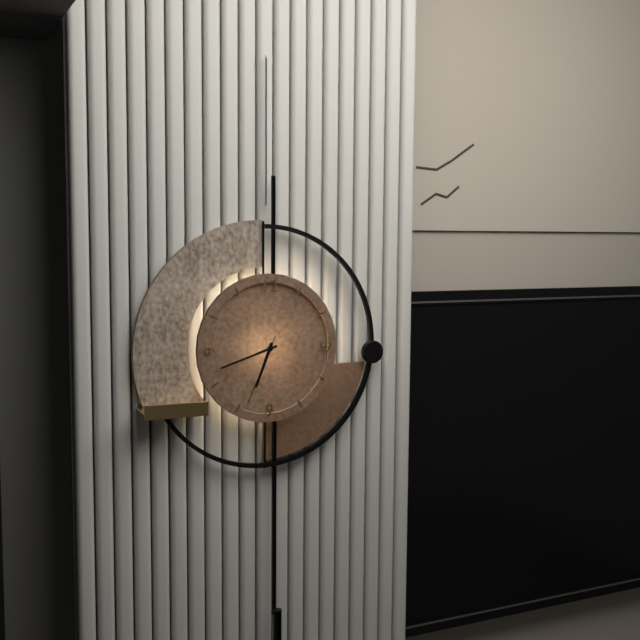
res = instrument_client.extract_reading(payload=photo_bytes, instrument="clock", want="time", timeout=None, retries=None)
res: 6:42:34
